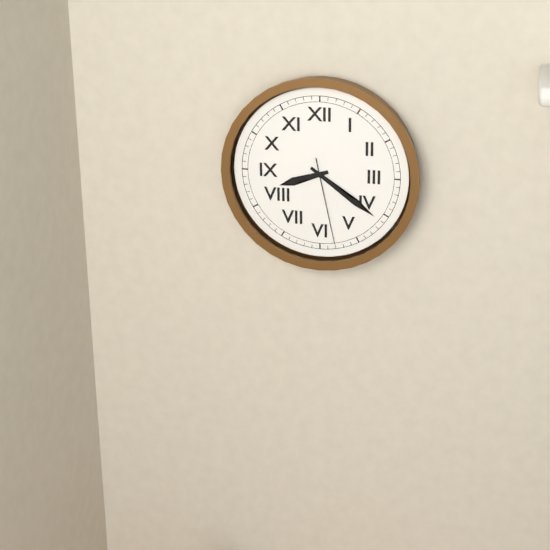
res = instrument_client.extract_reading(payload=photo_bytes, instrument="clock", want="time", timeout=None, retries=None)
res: 8:21:28
